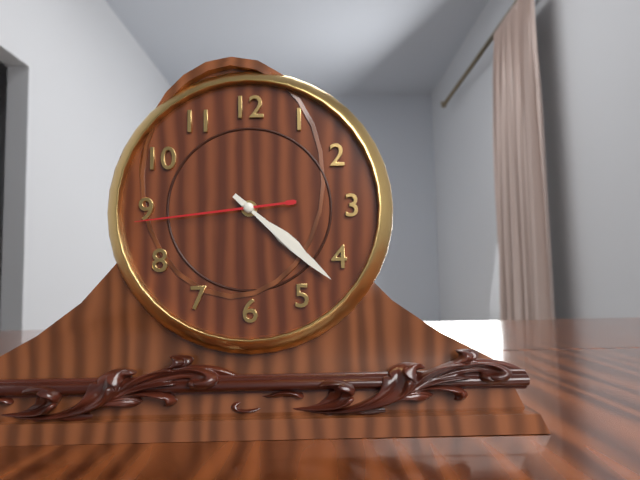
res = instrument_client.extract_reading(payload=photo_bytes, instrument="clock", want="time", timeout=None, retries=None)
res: 4:22:44
